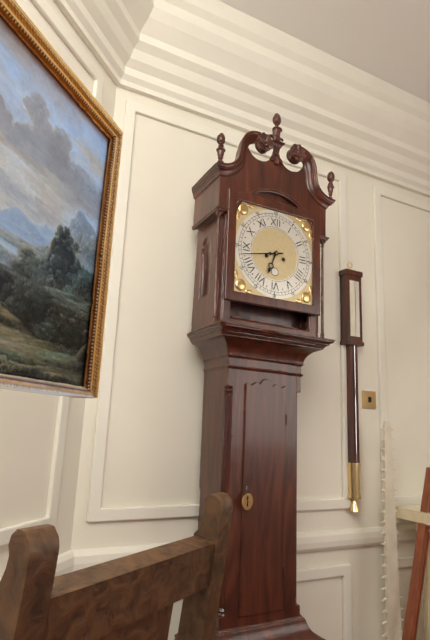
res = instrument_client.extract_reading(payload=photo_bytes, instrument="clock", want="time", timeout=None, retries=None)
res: 6:43
